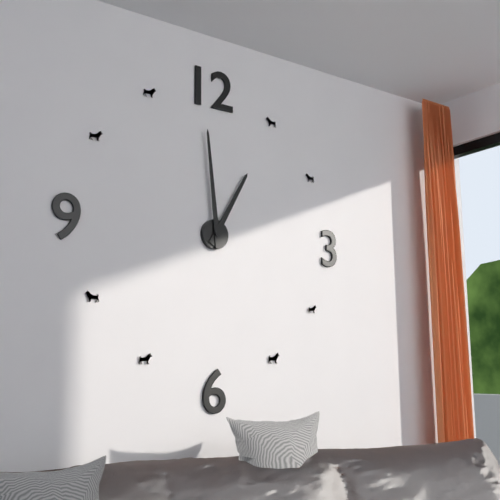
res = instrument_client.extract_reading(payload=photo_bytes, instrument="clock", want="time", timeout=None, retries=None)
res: 12:59
